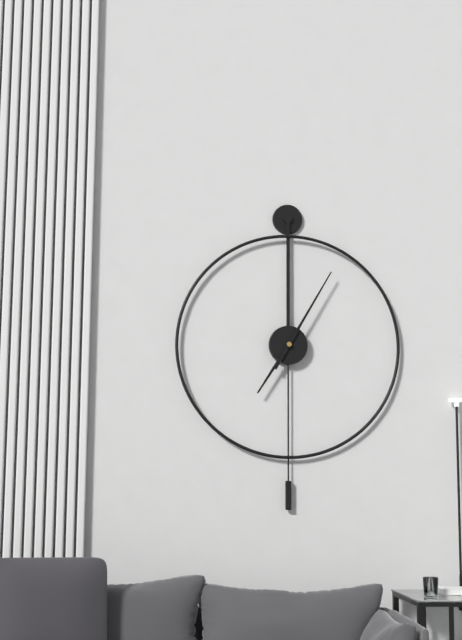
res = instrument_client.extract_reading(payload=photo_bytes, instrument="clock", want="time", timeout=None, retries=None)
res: 7:05
